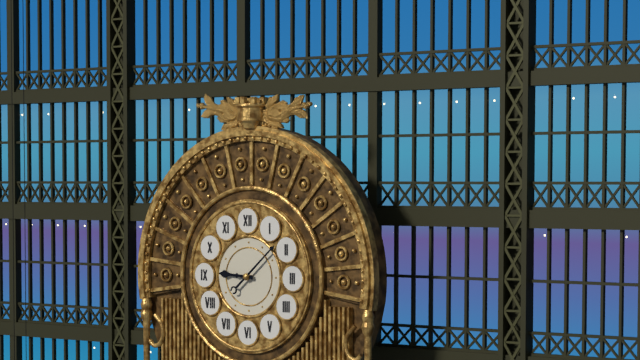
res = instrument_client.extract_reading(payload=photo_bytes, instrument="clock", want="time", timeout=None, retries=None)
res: 9:08
